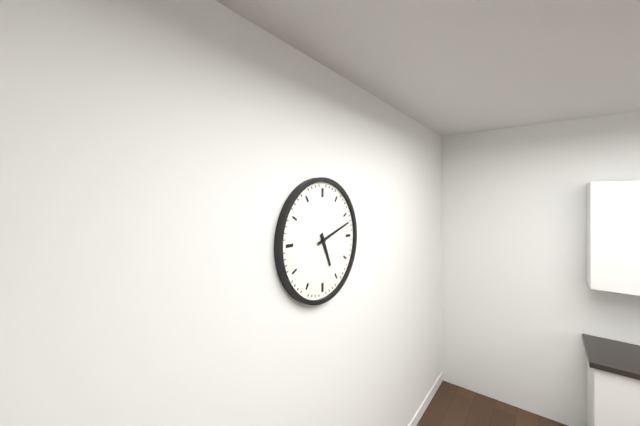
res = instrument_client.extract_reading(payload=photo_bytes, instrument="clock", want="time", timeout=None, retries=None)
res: 5:12
